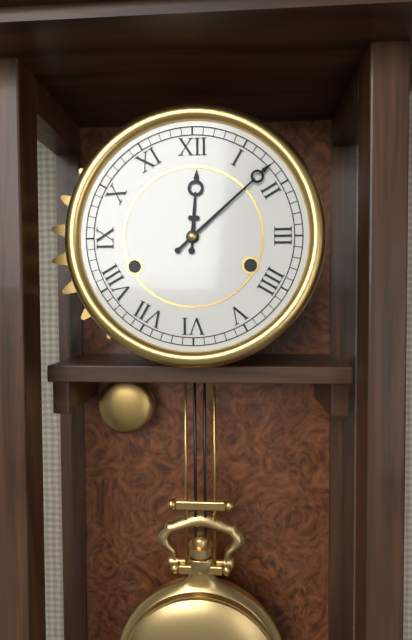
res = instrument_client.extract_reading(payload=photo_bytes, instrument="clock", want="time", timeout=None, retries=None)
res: 12:08
